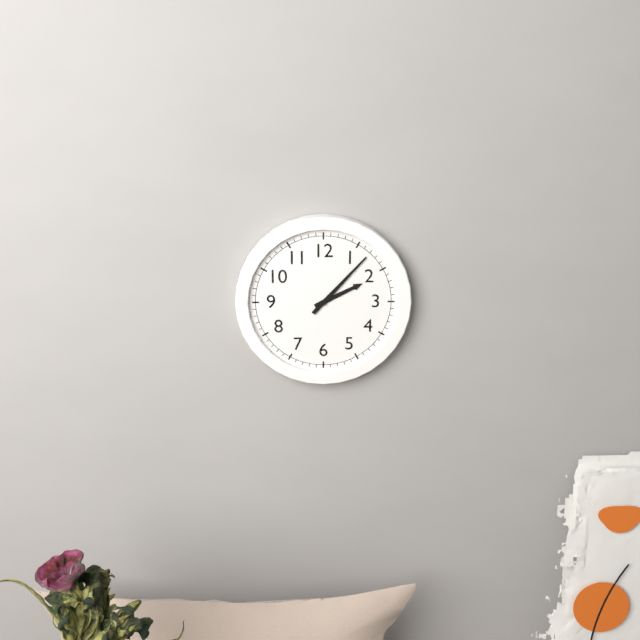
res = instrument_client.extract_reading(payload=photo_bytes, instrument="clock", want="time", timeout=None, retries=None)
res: 2:07
